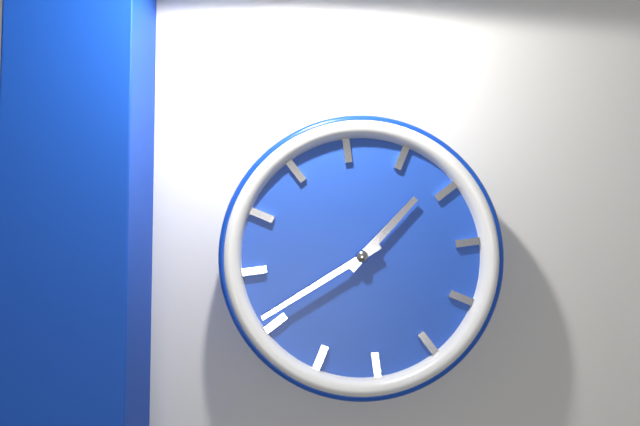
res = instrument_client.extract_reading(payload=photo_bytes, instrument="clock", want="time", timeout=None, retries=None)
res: 1:41
